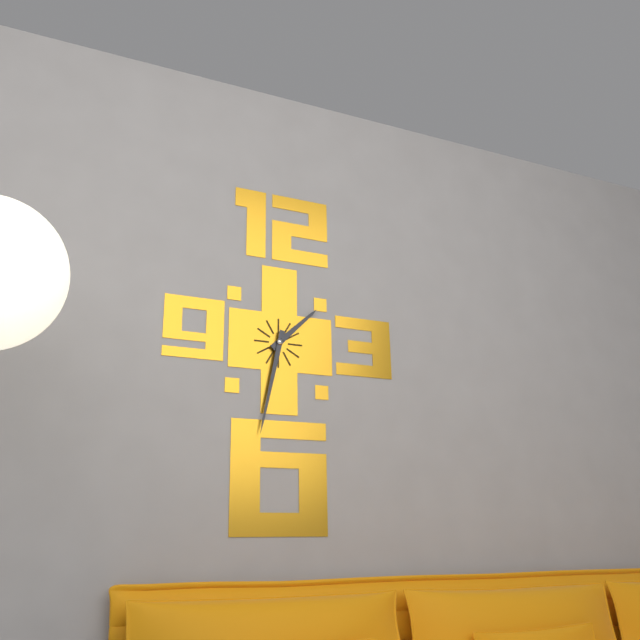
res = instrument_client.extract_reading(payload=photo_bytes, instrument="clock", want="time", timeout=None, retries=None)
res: 1:32
